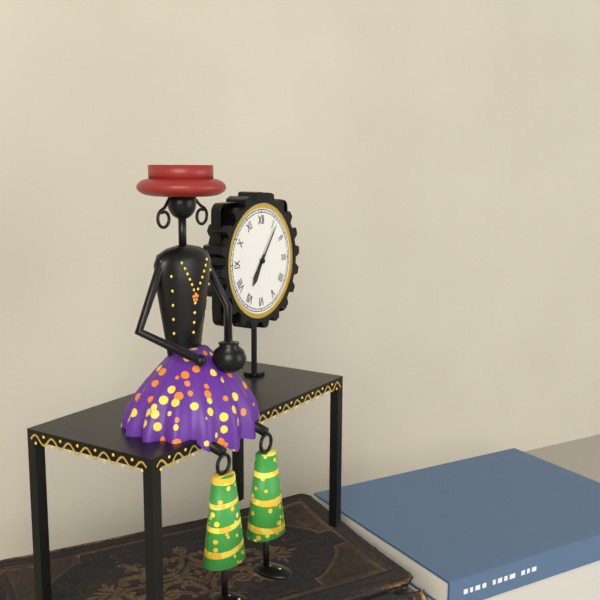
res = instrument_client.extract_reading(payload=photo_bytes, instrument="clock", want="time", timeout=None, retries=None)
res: 7:06
